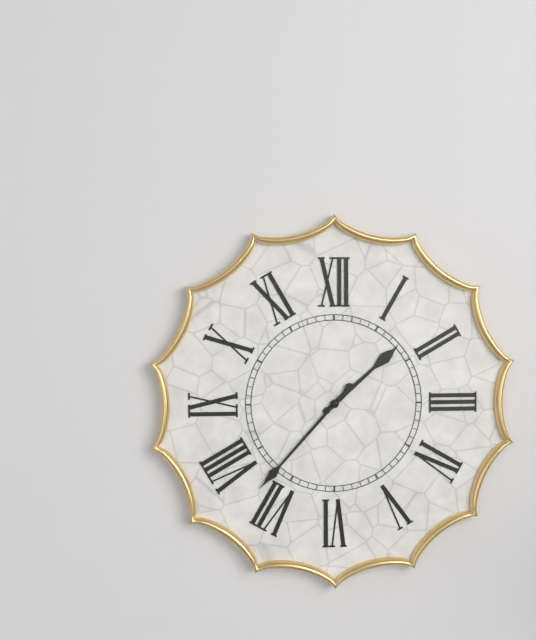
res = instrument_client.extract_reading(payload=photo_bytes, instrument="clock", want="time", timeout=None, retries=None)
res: 1:37
